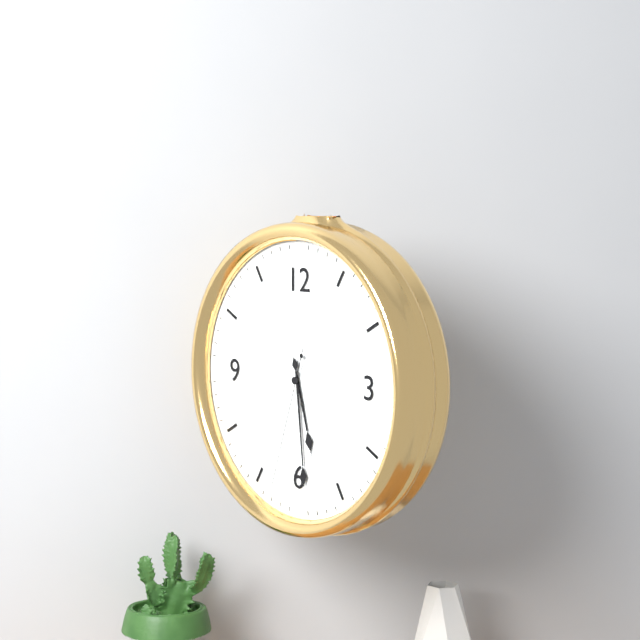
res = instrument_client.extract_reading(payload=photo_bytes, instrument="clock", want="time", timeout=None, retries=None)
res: 5:29:33
